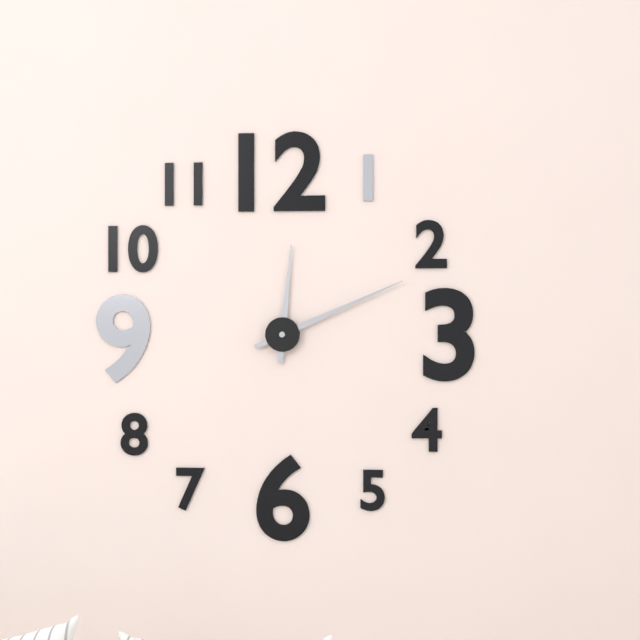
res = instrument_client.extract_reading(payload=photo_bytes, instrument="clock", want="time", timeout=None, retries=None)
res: 12:11
